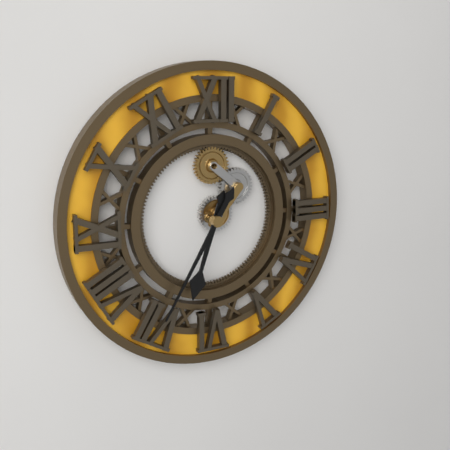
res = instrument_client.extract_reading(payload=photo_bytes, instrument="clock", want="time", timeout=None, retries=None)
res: 6:35
